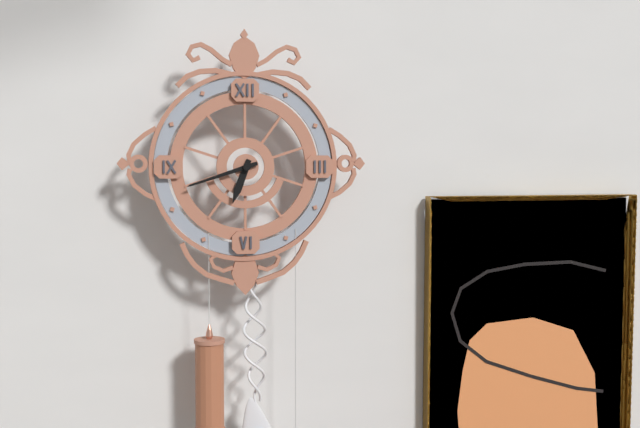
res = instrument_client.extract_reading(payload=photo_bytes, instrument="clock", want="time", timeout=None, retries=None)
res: 6:42
